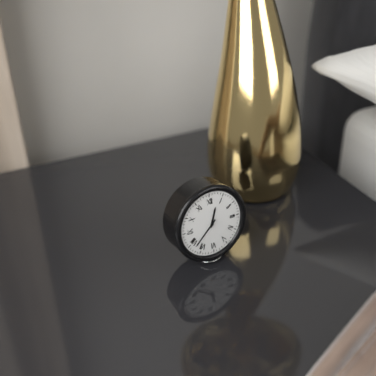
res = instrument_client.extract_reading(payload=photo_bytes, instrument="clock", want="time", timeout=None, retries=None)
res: 12:38
